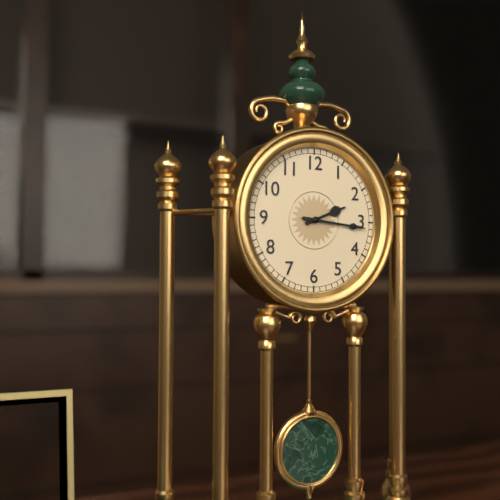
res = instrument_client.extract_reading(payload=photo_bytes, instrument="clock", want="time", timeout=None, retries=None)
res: 2:16
